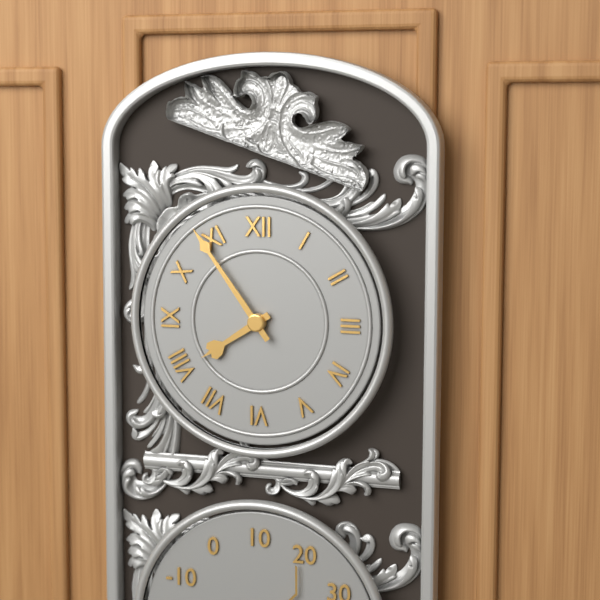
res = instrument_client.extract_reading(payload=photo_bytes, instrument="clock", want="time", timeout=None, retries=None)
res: 7:54
